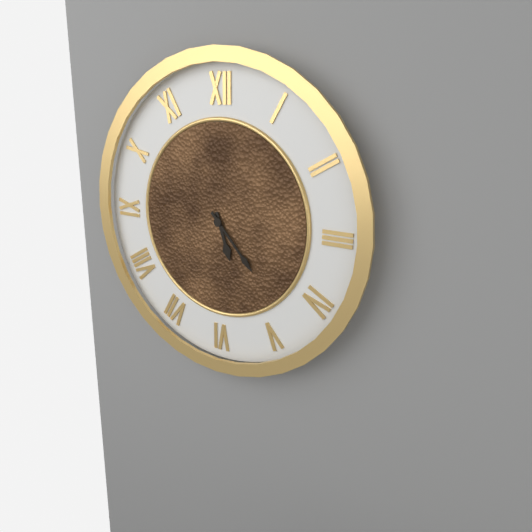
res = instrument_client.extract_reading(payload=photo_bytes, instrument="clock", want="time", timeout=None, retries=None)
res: 5:23
